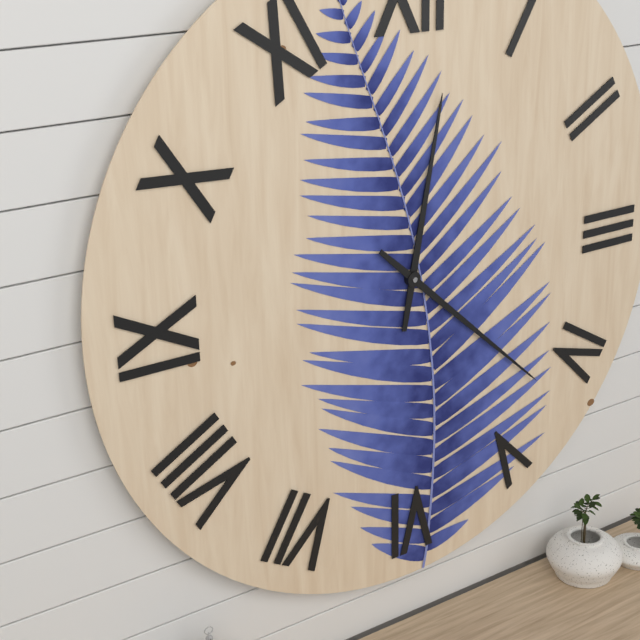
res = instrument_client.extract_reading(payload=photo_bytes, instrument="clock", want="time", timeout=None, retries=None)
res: 12:22
